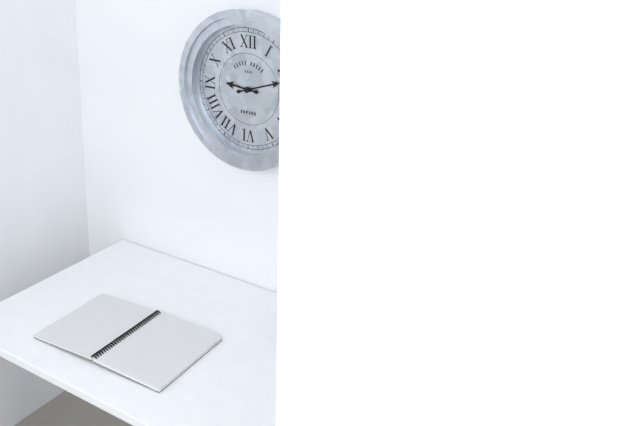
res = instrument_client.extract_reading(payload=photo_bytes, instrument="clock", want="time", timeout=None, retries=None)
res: 9:12
